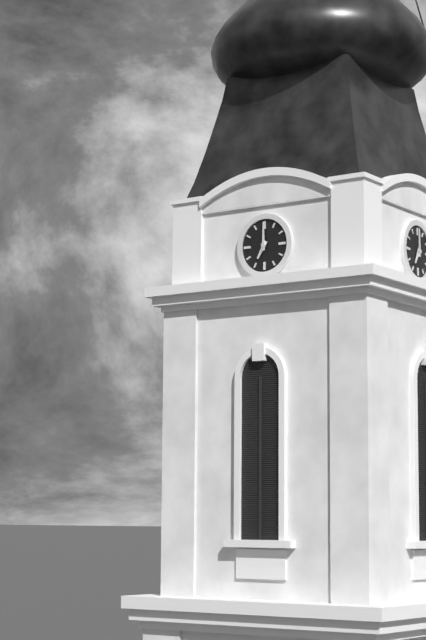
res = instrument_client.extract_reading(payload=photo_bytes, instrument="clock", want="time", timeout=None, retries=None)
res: 7:00
